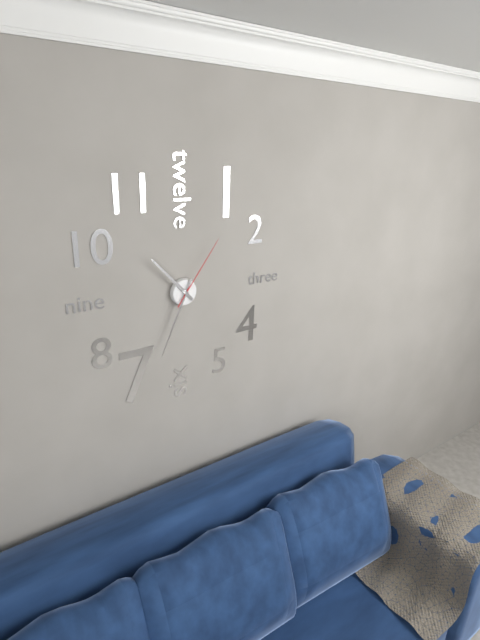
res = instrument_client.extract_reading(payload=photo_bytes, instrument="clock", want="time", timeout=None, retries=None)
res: 10:34:06
